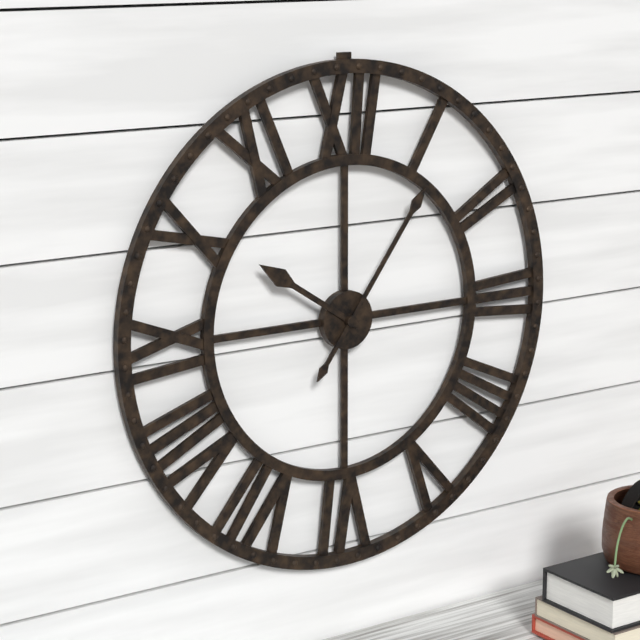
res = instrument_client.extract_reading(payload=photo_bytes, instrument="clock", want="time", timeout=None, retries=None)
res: 10:06
